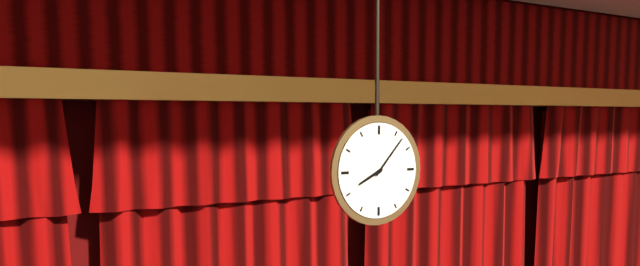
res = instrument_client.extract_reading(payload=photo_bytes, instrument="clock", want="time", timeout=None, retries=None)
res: 8:07
